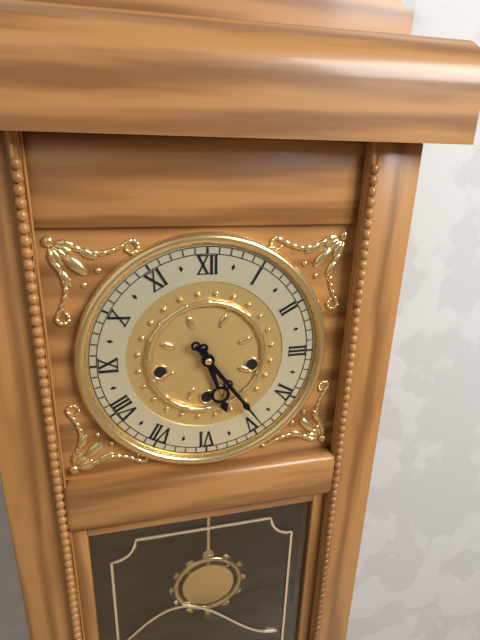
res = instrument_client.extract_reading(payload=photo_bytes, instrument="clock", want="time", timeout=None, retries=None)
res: 5:24
